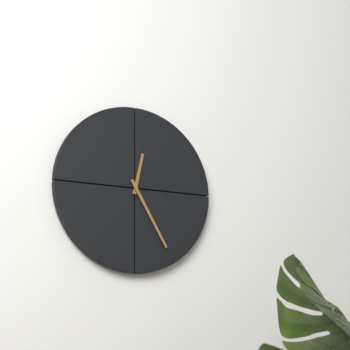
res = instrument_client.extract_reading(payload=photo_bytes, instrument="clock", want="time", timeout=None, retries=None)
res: 12:25
